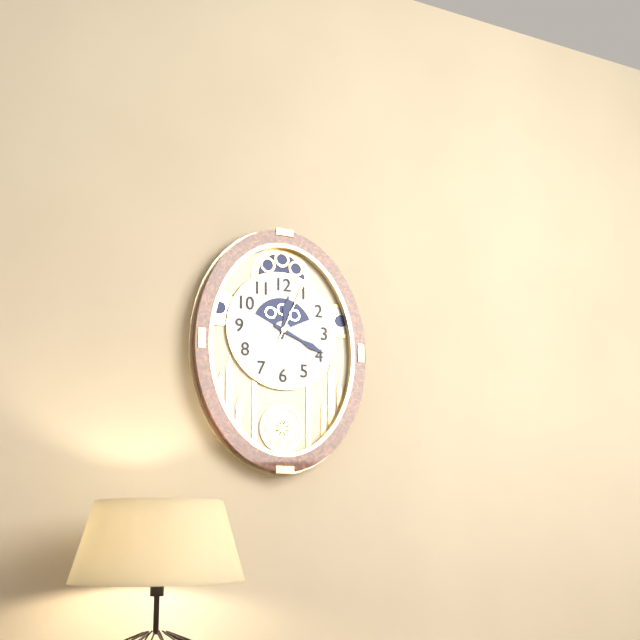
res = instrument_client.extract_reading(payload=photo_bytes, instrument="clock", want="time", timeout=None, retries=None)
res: 12:19:04
